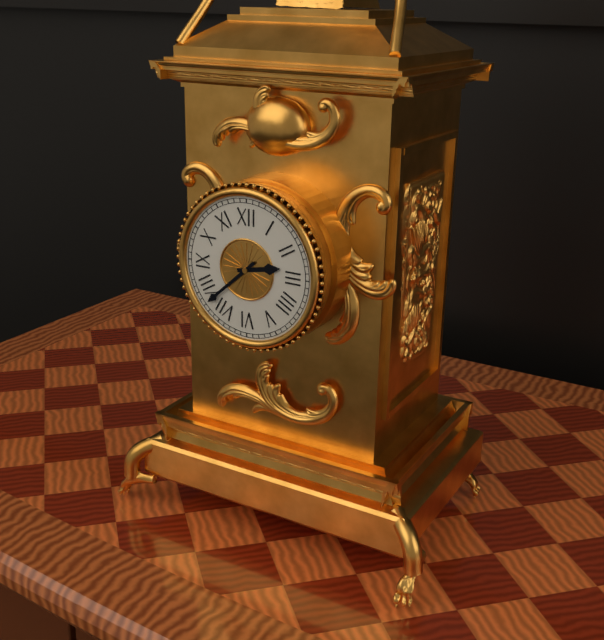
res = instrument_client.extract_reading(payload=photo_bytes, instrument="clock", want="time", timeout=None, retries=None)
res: 2:38
